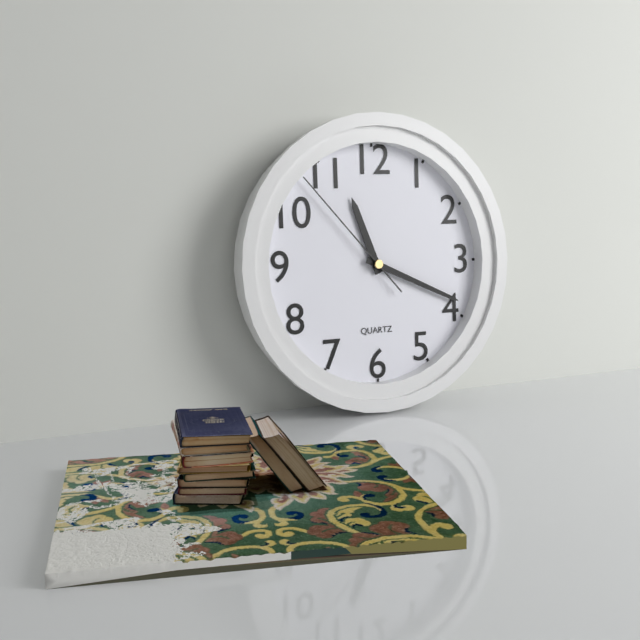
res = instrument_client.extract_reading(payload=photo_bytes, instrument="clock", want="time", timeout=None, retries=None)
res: 11:19:53
